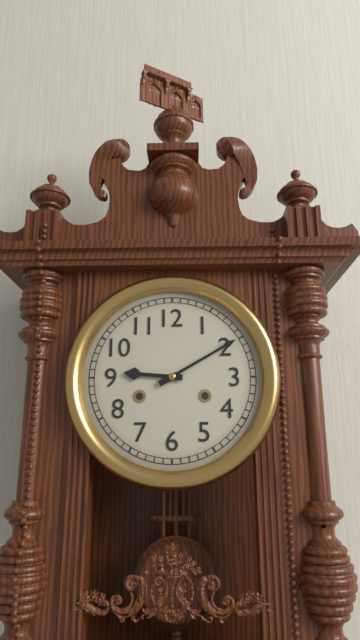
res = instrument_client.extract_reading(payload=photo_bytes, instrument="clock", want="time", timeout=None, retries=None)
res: 9:10
